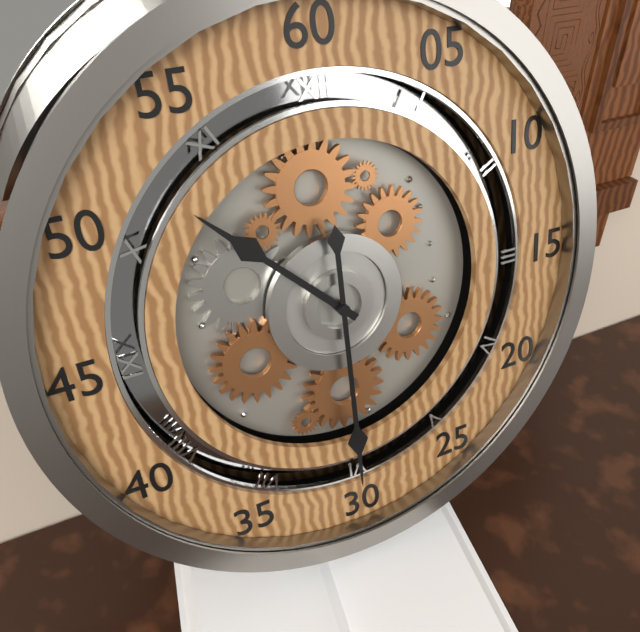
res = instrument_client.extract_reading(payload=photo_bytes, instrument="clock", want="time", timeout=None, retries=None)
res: 10:30
